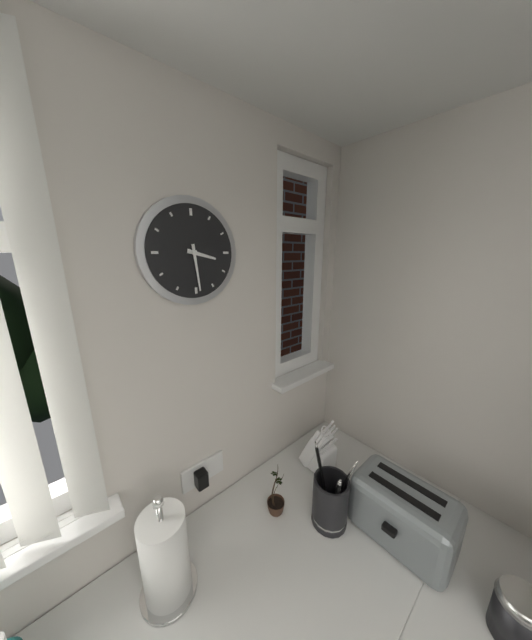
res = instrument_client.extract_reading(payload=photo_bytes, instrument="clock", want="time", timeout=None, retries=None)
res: 3:29
